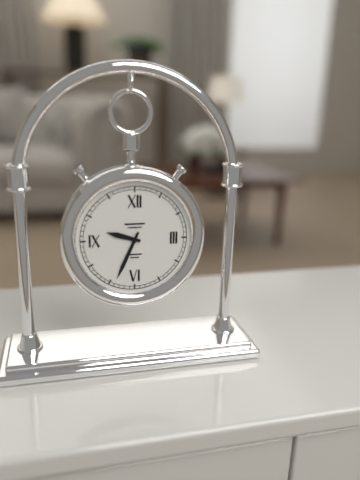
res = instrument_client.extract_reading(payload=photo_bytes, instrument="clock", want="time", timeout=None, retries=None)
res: 9:34
